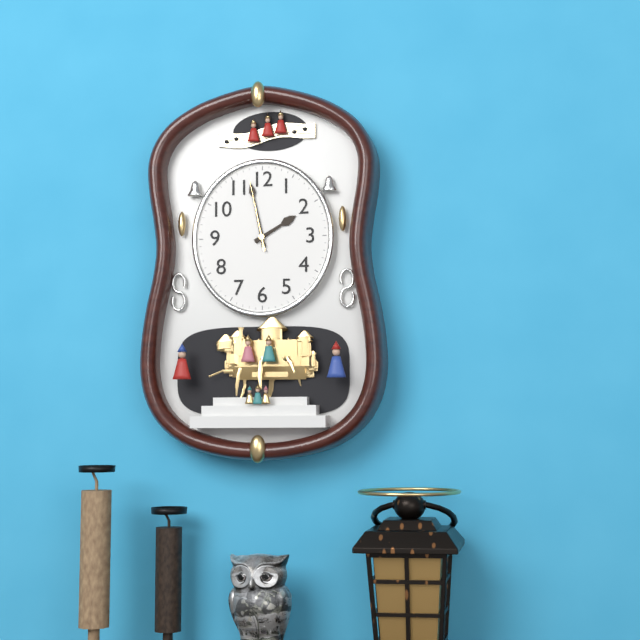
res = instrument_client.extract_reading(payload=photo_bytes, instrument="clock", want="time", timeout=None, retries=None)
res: 1:58:58
